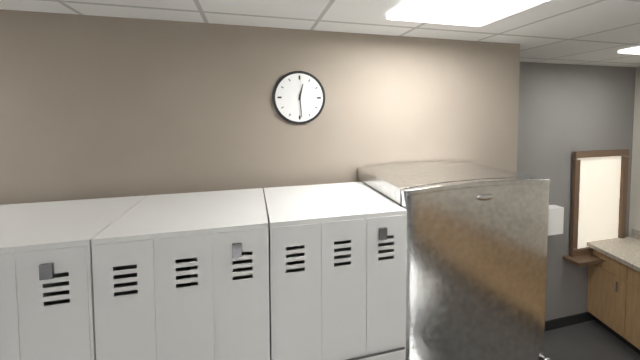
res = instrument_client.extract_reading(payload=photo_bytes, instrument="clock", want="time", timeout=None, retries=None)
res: 12:29
